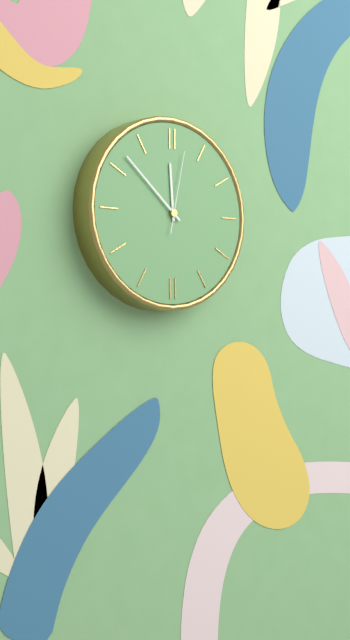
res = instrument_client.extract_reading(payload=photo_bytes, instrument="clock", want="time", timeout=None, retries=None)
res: 11:52:02
